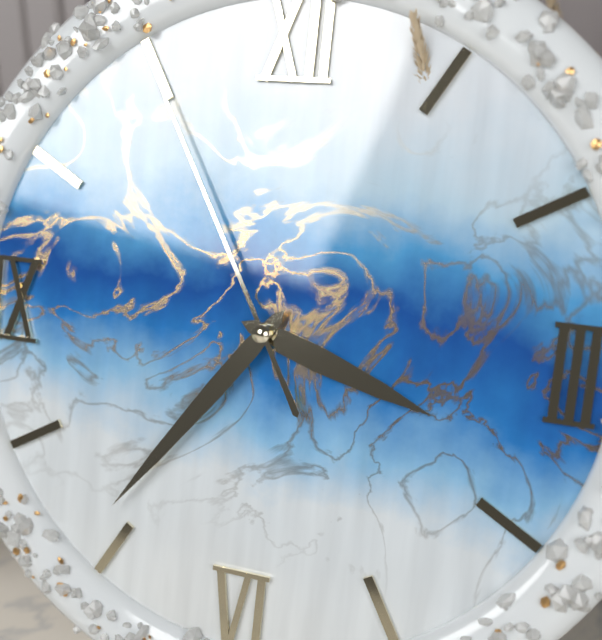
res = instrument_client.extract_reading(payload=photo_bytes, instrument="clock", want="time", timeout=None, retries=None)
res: 3:36:55
